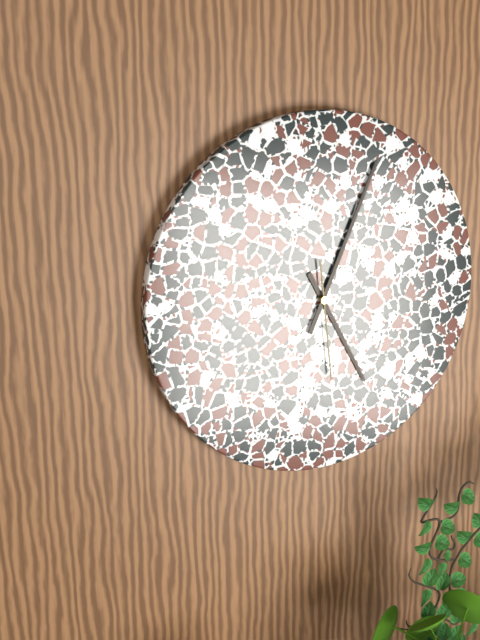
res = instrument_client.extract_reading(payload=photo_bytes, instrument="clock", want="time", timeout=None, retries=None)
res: 5:04:29
